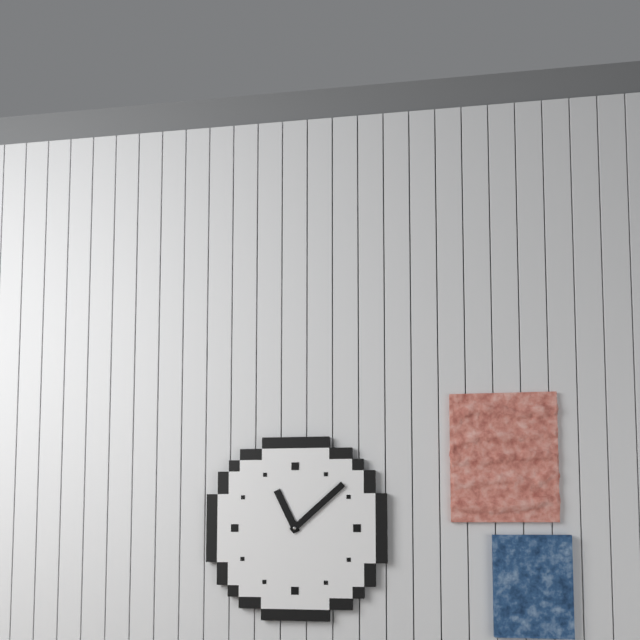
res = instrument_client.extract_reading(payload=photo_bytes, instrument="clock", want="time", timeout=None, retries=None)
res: 11:08
